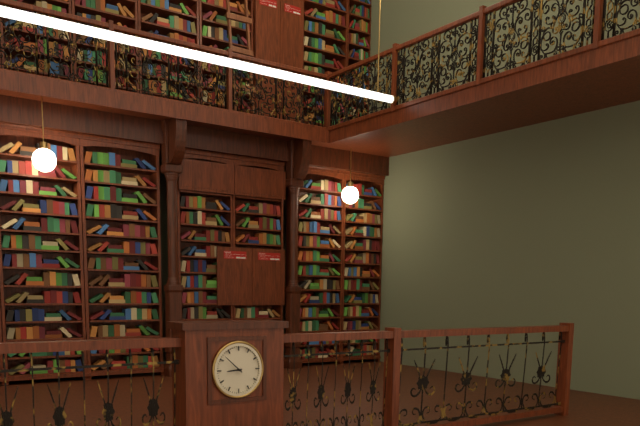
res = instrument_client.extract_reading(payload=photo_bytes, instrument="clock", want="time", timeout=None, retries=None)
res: 8:52
